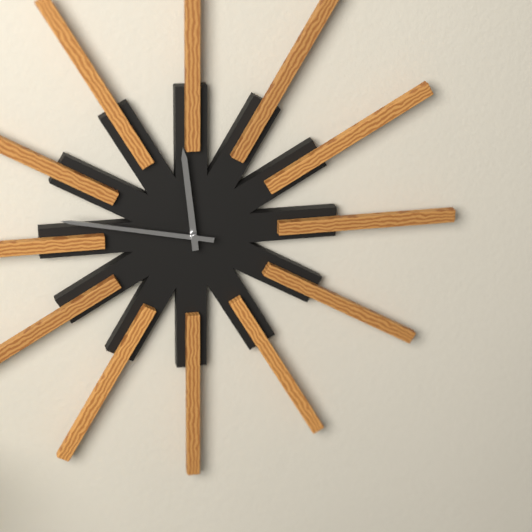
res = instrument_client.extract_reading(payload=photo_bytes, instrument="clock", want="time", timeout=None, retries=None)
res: 11:47
